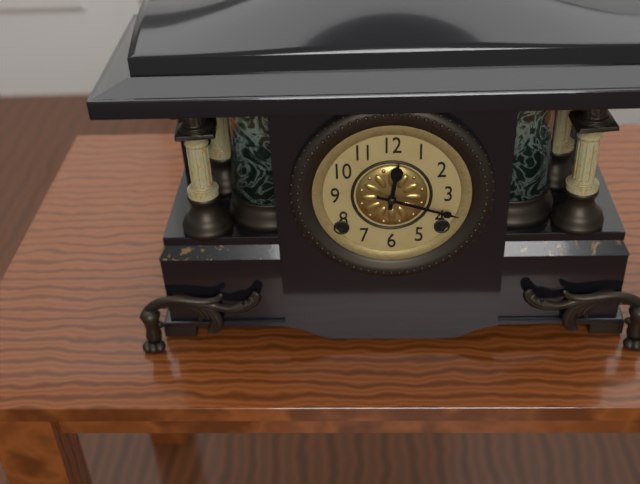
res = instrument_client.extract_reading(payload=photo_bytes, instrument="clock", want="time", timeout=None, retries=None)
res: 12:18
